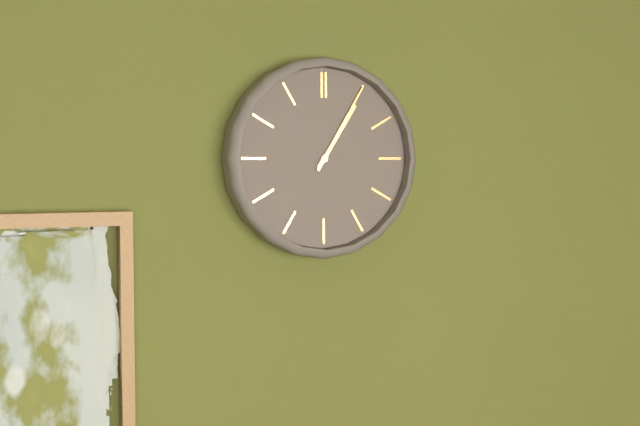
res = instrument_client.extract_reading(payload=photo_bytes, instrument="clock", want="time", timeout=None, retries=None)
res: 1:05
